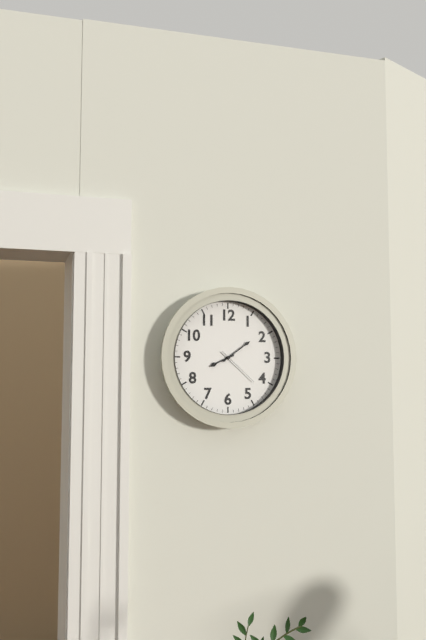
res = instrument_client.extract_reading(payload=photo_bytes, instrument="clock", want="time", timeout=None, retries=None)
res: 8:09
